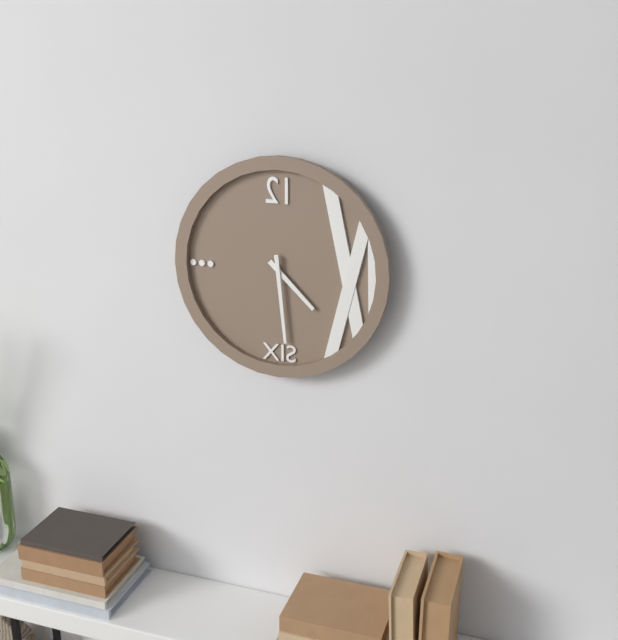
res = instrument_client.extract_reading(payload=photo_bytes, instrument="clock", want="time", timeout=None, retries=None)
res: 4:29
